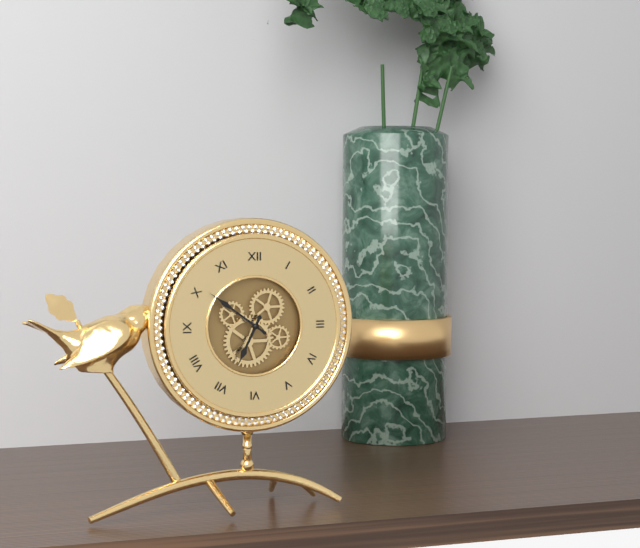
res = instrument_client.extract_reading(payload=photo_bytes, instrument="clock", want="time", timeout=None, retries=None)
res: 6:51
